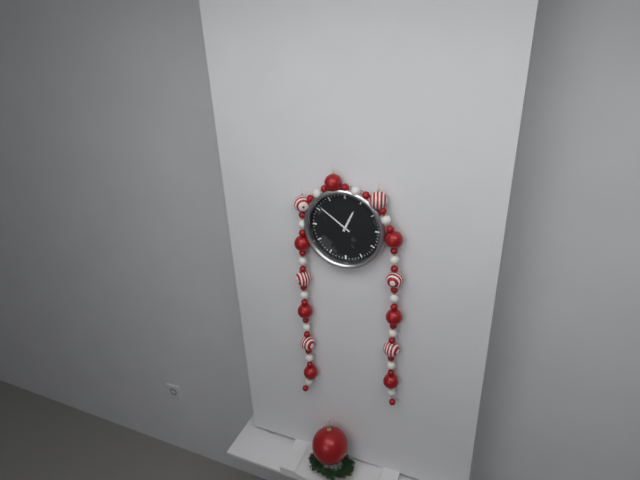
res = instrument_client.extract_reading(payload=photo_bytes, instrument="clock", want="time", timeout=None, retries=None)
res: 12:51
